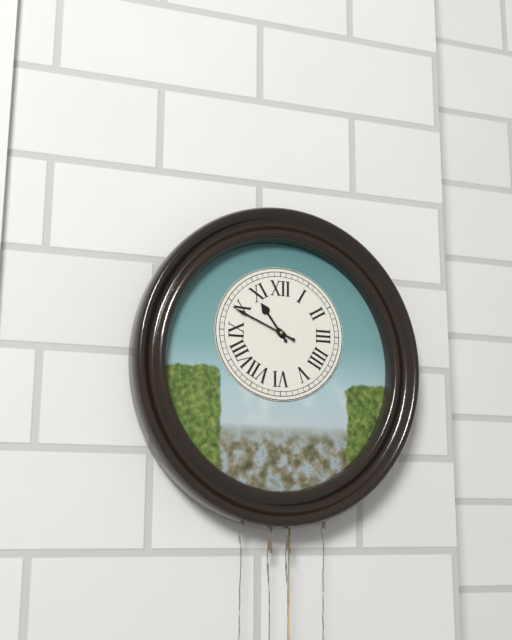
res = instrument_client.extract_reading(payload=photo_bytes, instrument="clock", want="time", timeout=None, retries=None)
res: 10:49
